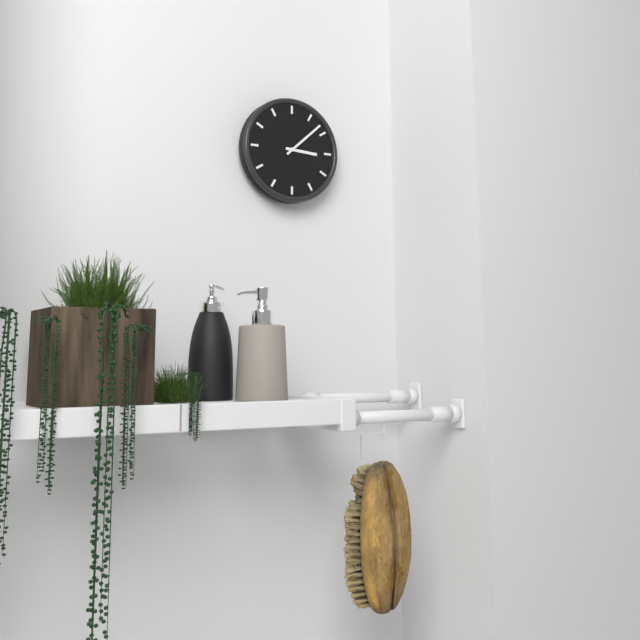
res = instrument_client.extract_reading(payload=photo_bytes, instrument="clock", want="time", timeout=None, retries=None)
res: 3:08
